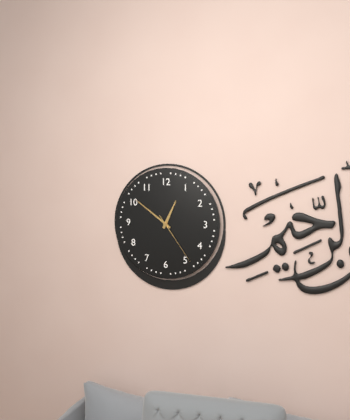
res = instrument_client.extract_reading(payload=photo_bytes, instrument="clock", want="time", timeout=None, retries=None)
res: 12:51:24
